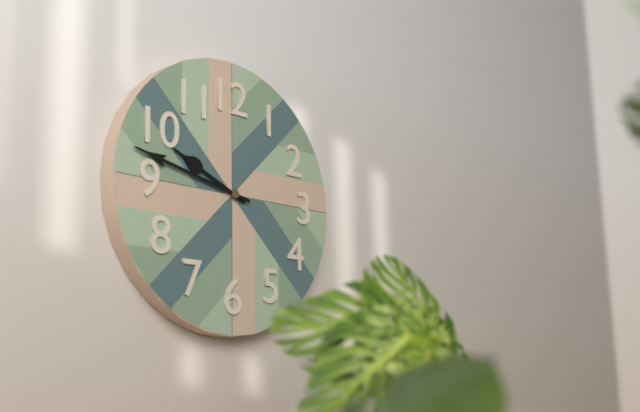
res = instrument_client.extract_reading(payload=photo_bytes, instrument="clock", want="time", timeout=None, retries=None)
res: 9:47
